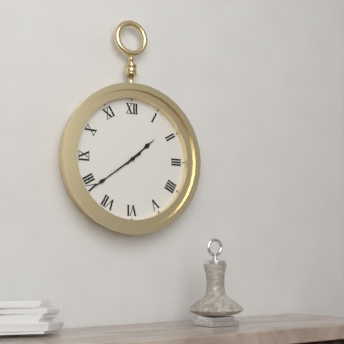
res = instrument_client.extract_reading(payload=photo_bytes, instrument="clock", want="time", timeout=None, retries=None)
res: 1:39
